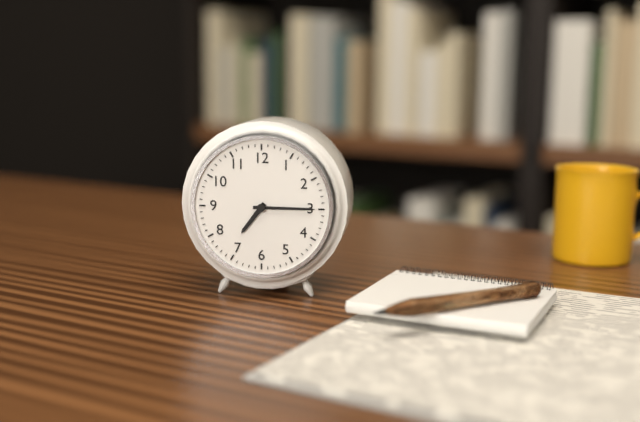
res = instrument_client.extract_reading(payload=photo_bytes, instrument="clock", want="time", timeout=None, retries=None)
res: 7:15
